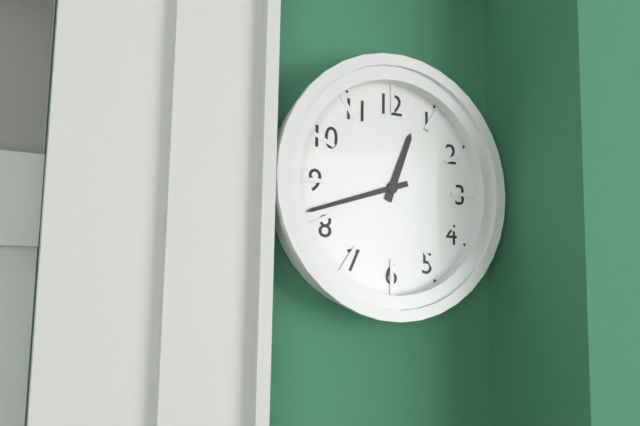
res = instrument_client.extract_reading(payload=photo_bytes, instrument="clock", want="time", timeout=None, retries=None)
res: 12:42
